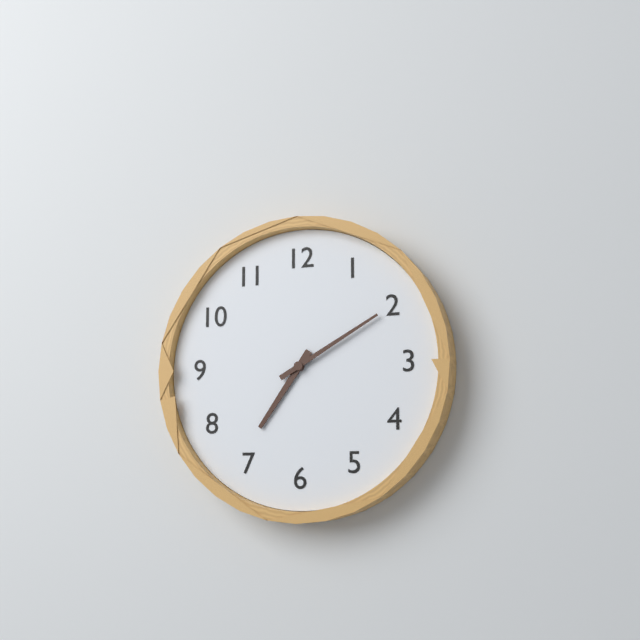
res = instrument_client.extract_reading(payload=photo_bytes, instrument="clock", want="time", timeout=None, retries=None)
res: 7:10
